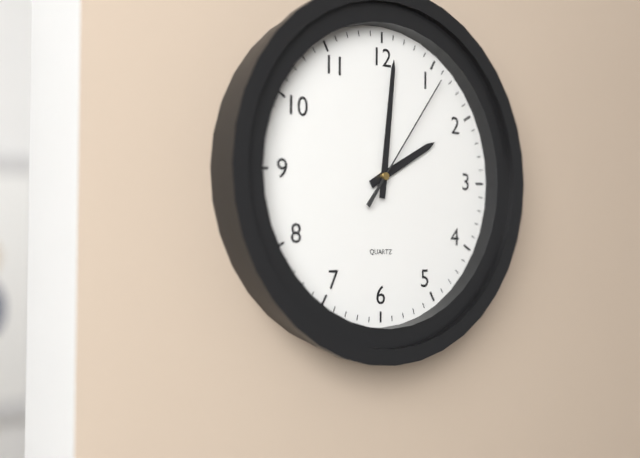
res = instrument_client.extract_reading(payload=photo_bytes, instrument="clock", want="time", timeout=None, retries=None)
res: 2:01:06
